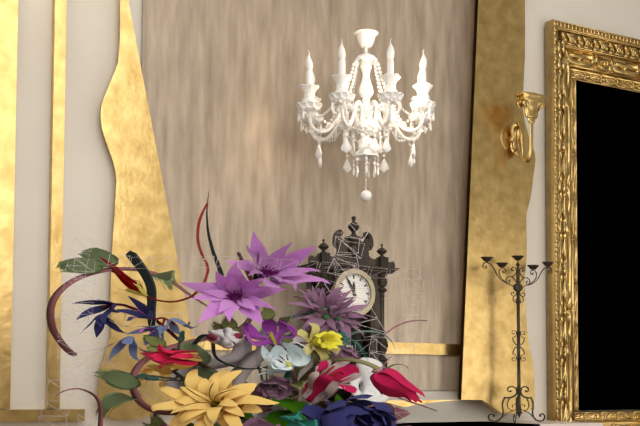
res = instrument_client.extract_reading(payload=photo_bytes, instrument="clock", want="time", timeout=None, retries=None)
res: 11:55
